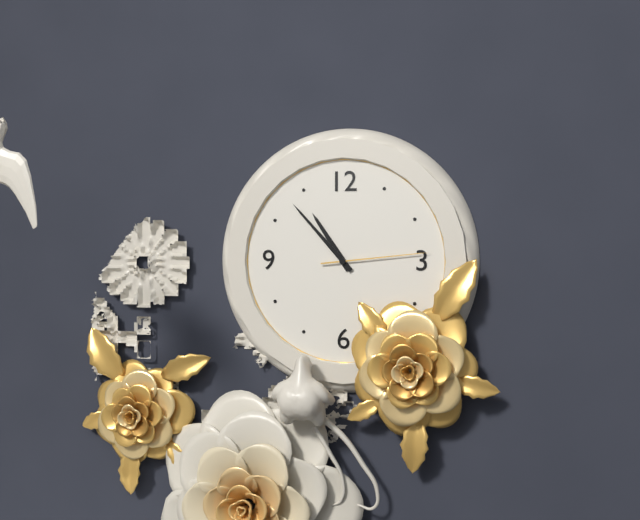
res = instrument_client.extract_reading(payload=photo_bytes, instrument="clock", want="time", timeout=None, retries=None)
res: 10:53:14
